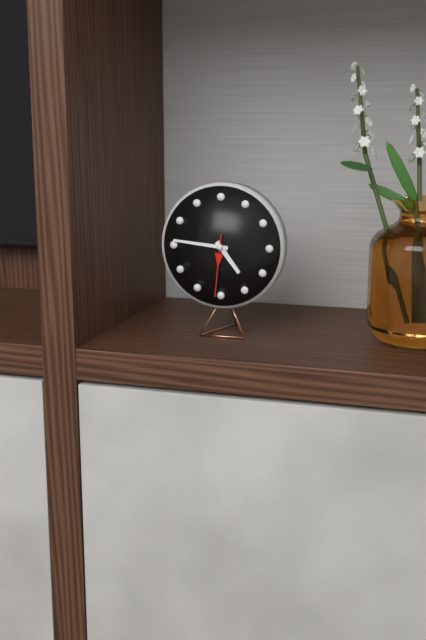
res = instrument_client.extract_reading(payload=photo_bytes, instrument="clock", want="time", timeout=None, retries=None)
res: 4:46:31
